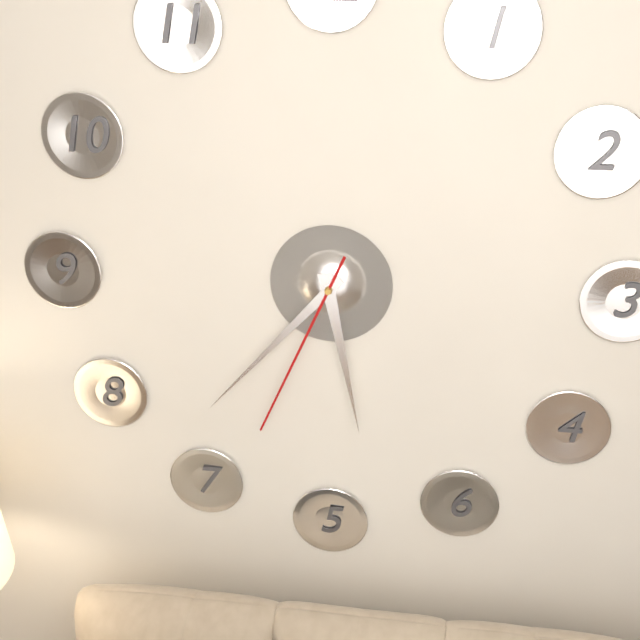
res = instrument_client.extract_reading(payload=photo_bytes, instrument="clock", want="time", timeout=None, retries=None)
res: 5:37:34
